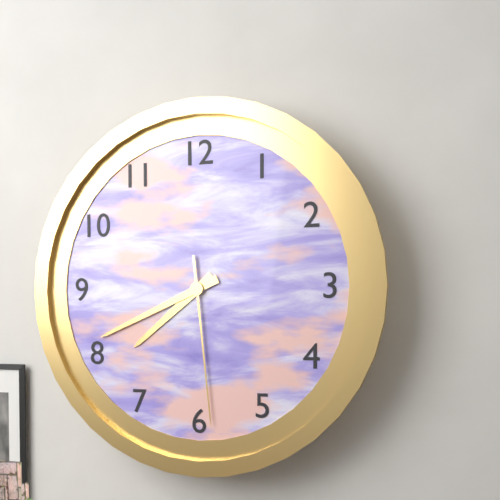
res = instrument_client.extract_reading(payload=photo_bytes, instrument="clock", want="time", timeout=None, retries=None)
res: 7:41:29
